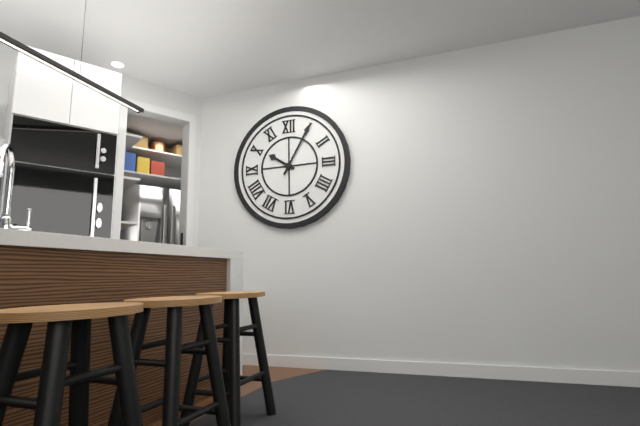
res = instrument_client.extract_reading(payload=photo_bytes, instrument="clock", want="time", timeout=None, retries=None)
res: 10:05
